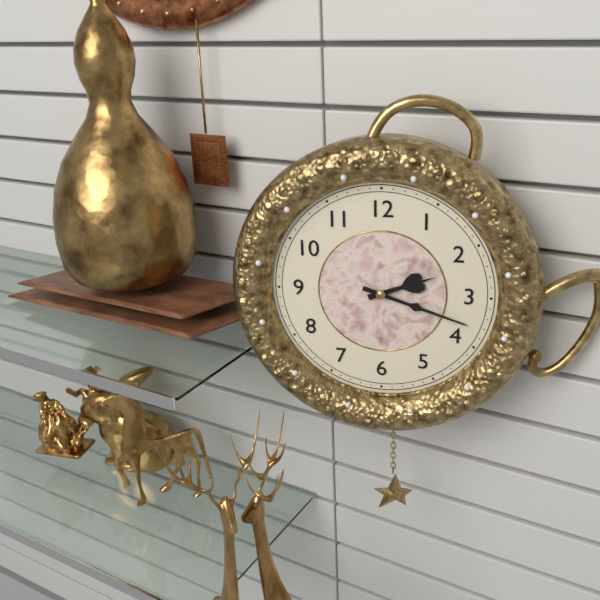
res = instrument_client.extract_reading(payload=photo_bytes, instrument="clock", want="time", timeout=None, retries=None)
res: 2:18
